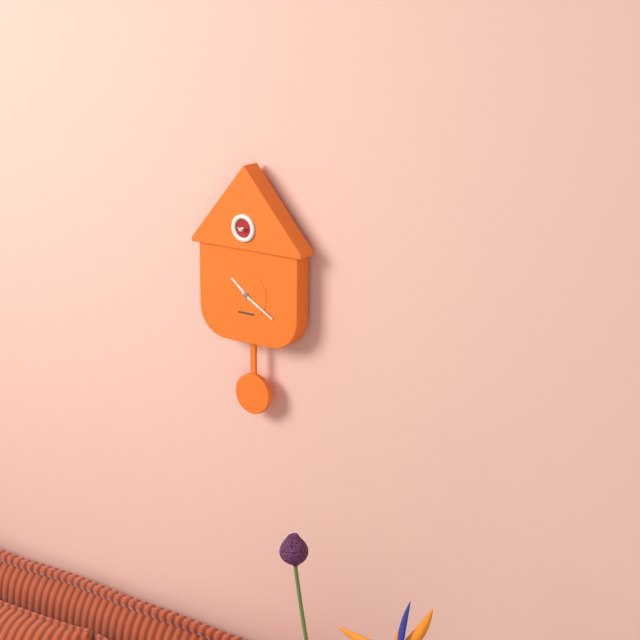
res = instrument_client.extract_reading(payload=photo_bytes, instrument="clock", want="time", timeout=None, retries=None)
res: 10:20
